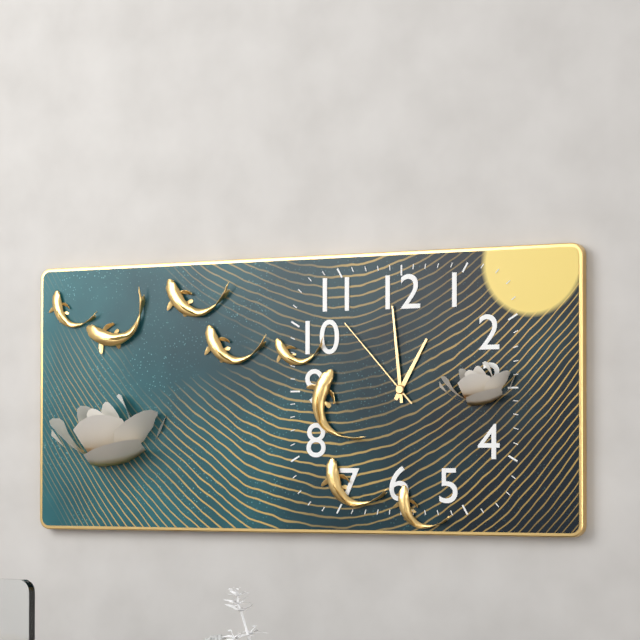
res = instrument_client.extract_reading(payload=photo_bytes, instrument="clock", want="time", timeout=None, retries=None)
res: 12:59:53
